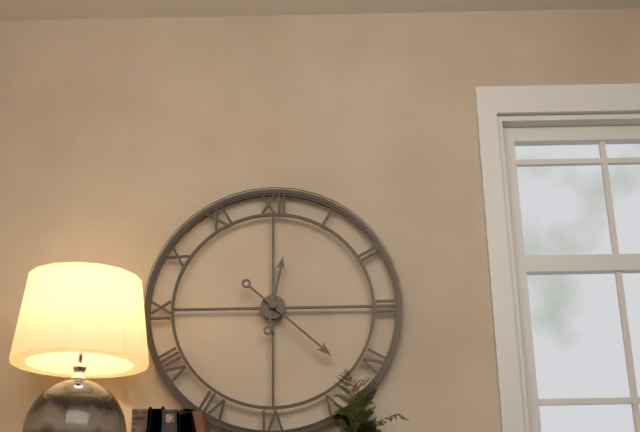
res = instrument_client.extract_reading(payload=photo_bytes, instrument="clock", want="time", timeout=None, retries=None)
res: 12:22
